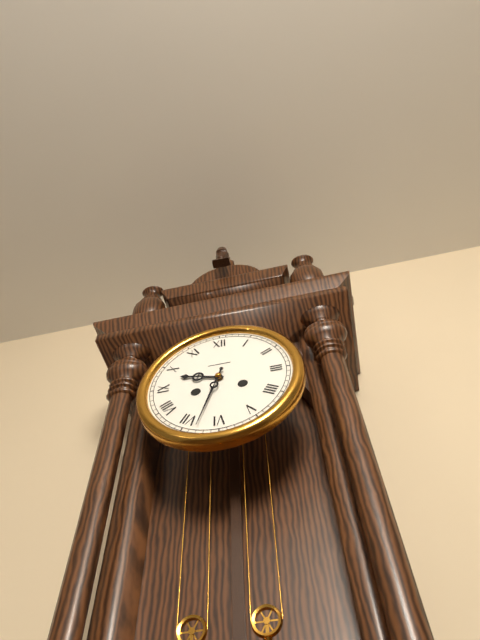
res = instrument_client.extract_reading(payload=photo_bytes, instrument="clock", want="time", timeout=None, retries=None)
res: 9:33
